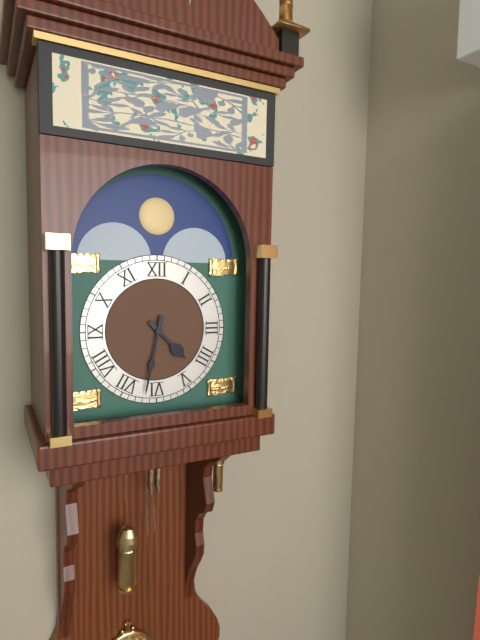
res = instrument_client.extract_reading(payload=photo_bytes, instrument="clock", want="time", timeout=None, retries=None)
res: 4:32
